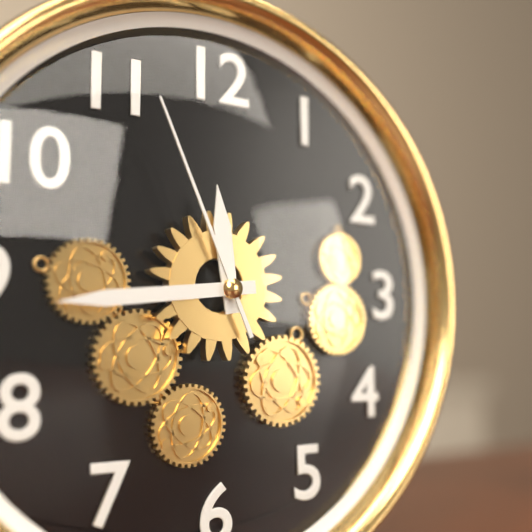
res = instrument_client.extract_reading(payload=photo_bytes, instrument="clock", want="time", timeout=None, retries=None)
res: 11:44:56
